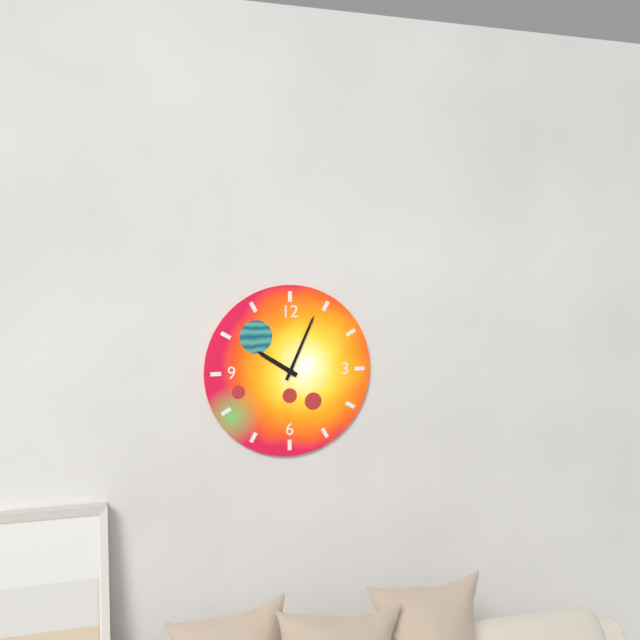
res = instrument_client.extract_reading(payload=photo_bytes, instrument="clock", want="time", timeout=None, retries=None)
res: 10:04
